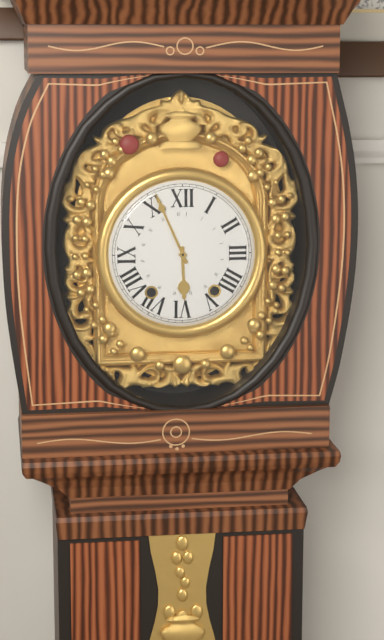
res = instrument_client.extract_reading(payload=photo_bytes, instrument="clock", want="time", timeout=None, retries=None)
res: 5:56
